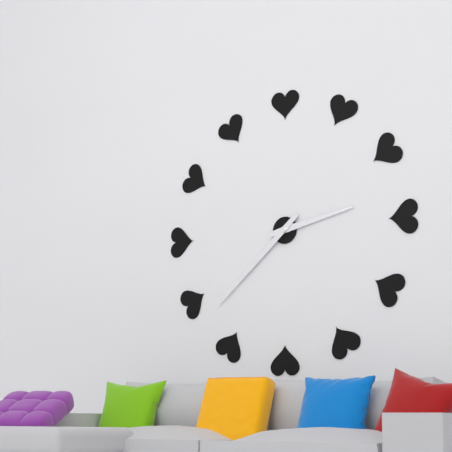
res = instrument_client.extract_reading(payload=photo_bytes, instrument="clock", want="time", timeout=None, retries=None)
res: 2:38
